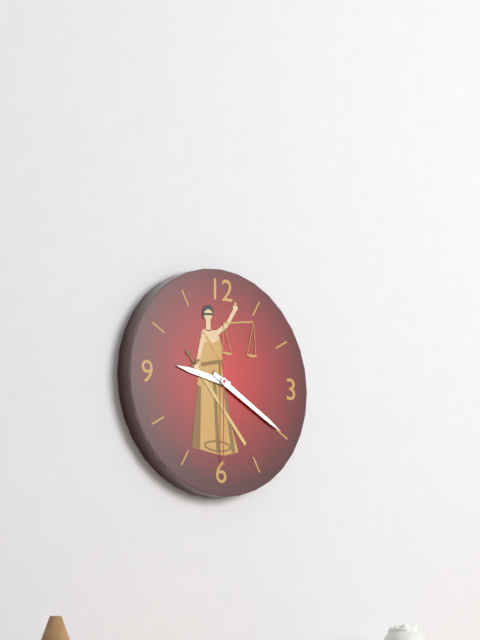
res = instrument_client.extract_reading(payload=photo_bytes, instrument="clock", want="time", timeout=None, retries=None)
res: 9:20:30
